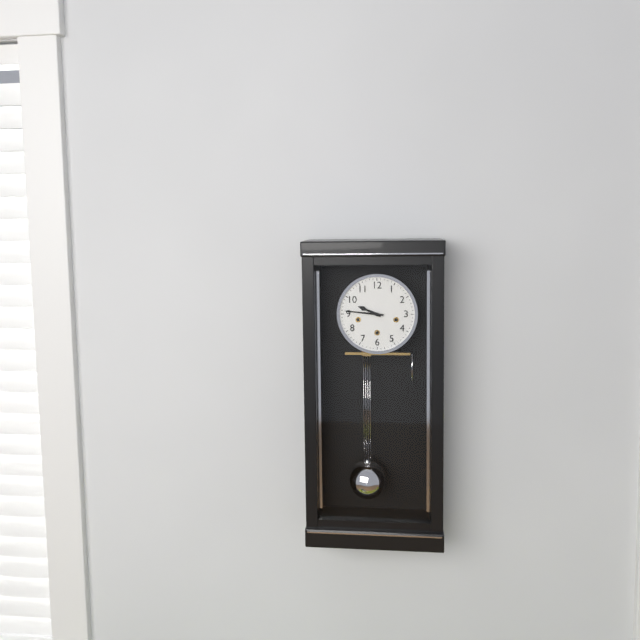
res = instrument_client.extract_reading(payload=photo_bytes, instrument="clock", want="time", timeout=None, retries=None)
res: 9:46
